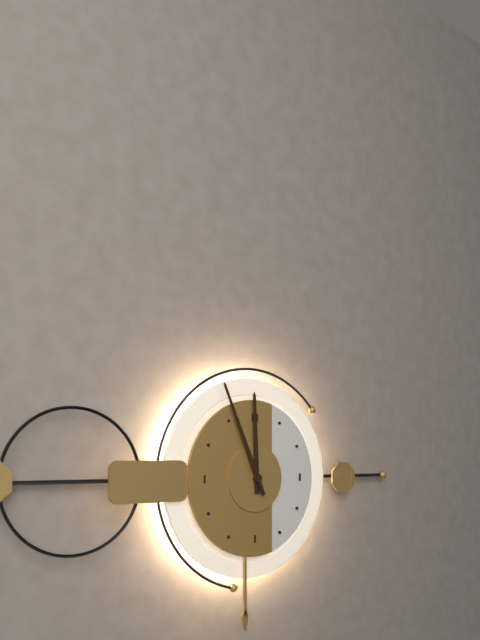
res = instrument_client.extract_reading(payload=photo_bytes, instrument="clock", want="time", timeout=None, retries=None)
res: 11:56
